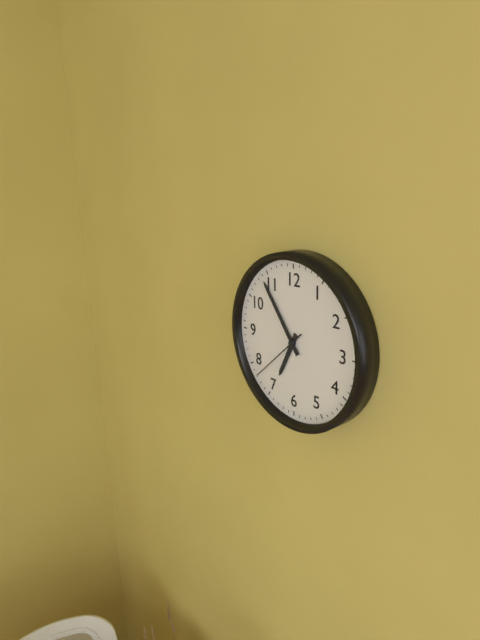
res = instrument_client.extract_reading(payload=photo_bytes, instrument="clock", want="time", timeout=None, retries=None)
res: 6:54:38
